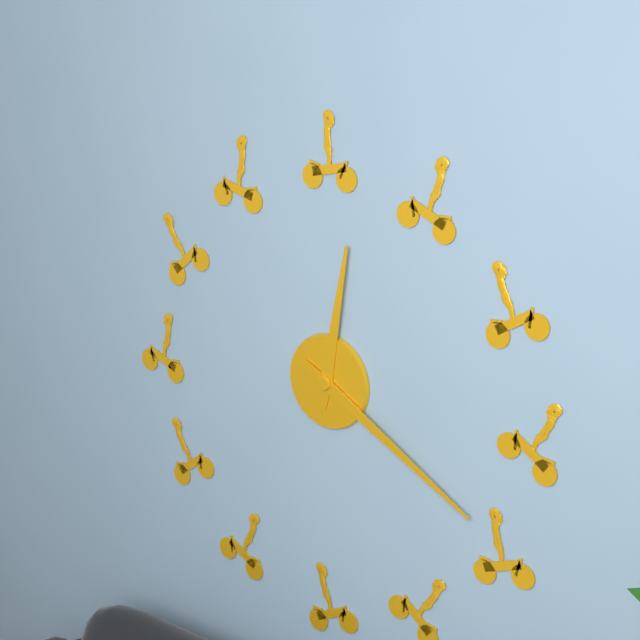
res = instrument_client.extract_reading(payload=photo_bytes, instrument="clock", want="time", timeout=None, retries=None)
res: 12:20
